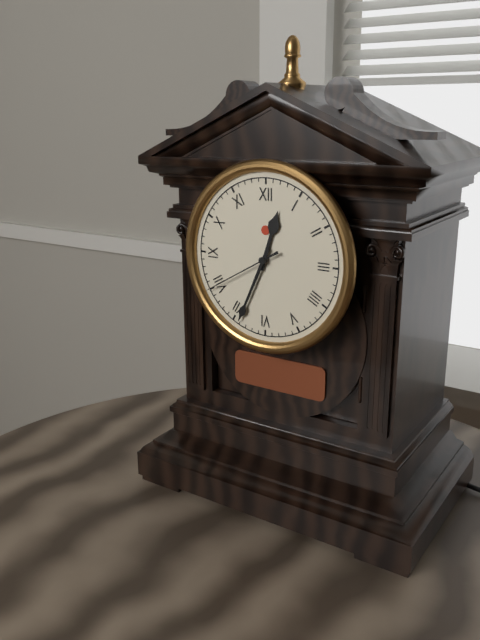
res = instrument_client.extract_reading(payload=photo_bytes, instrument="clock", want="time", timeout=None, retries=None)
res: 12:34:40
